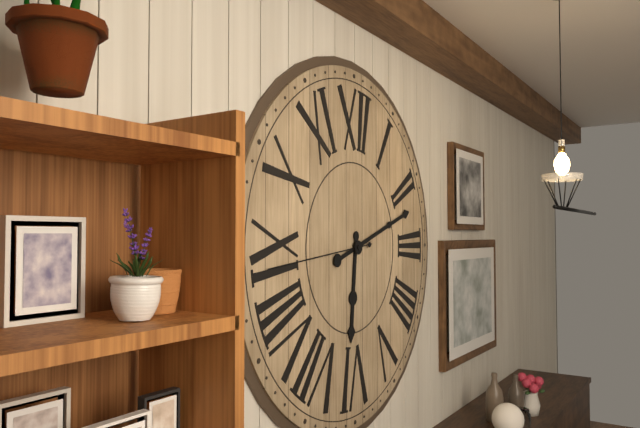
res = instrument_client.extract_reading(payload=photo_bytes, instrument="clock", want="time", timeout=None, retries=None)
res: 6:12:44
